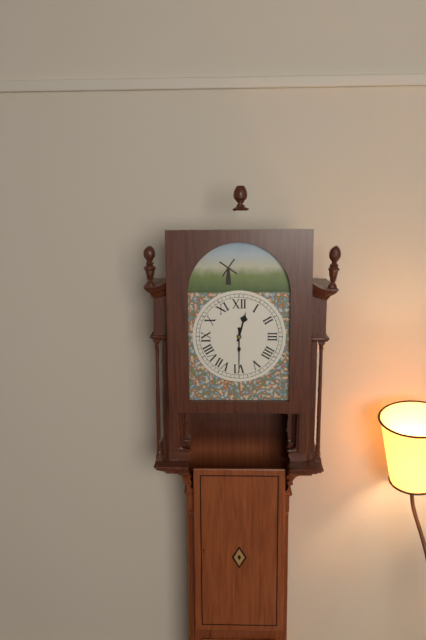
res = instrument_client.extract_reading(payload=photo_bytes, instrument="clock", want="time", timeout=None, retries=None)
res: 12:30
